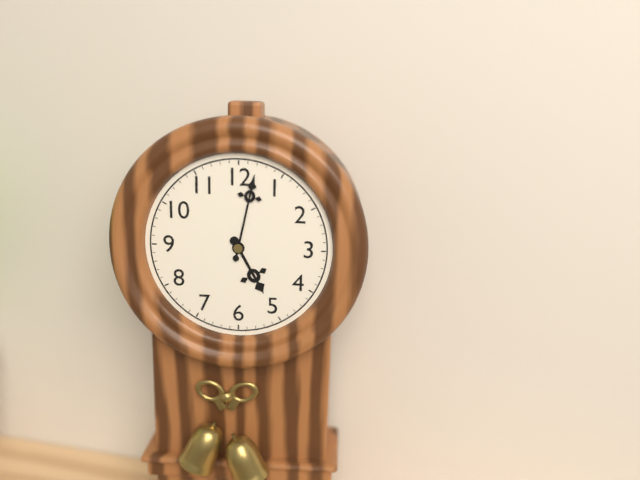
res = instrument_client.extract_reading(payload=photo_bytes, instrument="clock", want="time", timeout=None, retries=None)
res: 5:02
